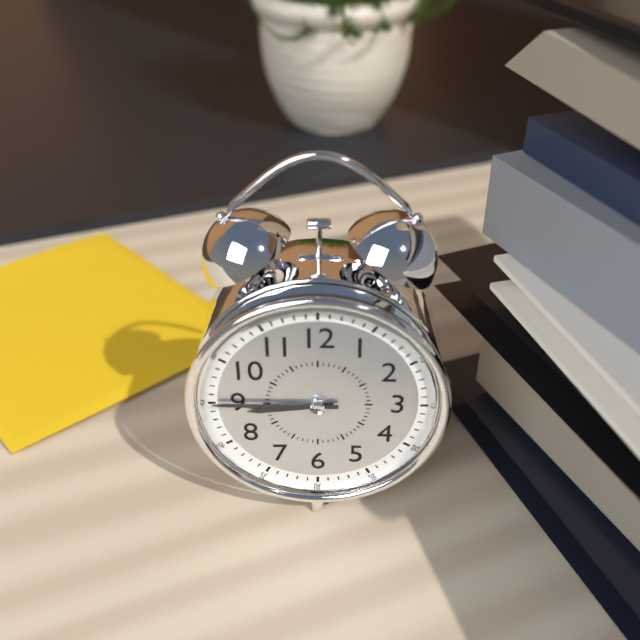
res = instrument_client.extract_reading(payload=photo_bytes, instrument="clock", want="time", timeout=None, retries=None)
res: 8:45
